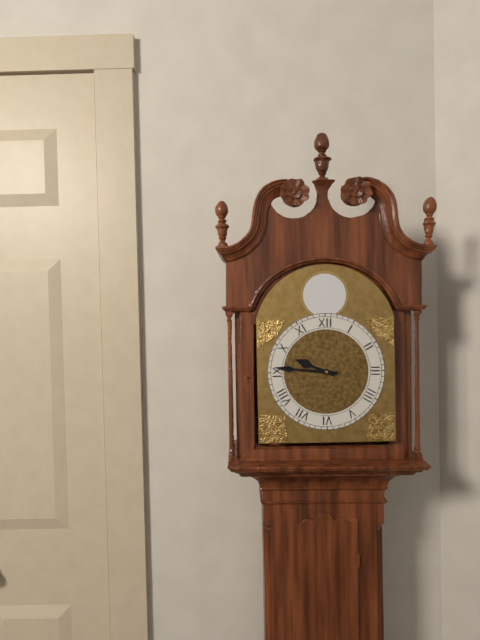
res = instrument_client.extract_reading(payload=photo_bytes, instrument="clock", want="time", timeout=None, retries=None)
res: 9:46
